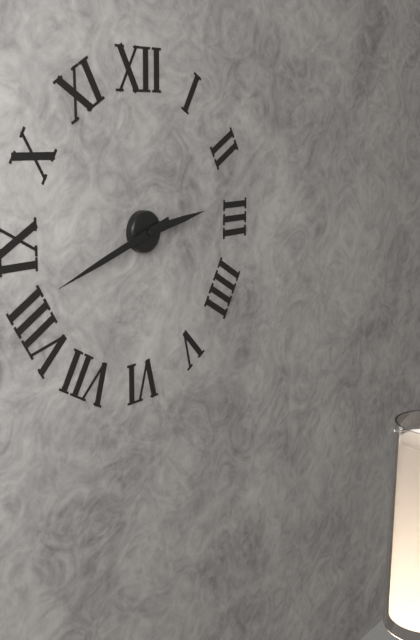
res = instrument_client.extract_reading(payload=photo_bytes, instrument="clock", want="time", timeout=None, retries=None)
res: 2:42
